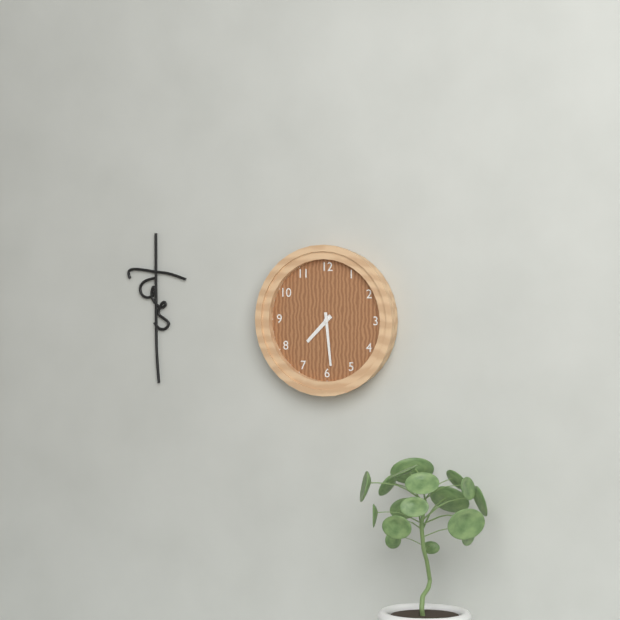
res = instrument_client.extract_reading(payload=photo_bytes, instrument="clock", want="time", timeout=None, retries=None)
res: 7:29
